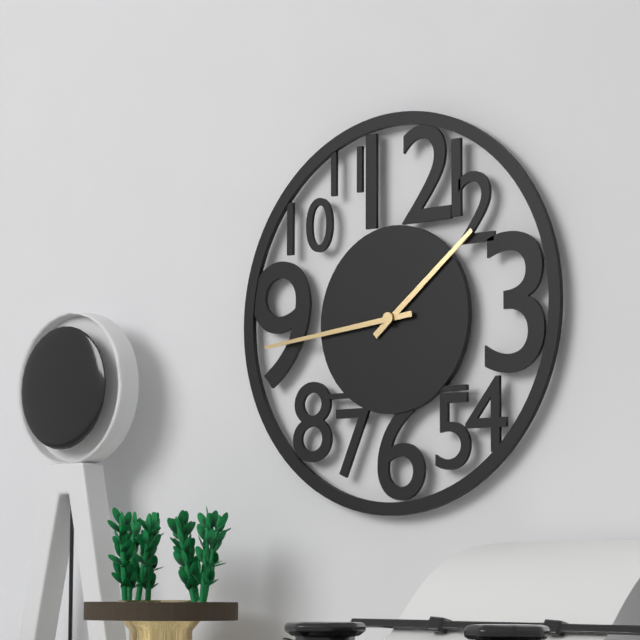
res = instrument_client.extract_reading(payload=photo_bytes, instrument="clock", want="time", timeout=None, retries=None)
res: 1:44
